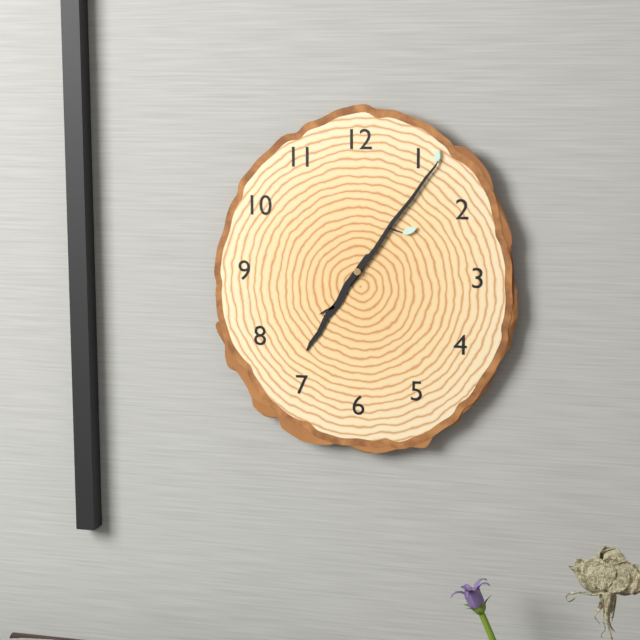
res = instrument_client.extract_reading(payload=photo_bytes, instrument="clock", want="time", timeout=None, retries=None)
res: 7:06
